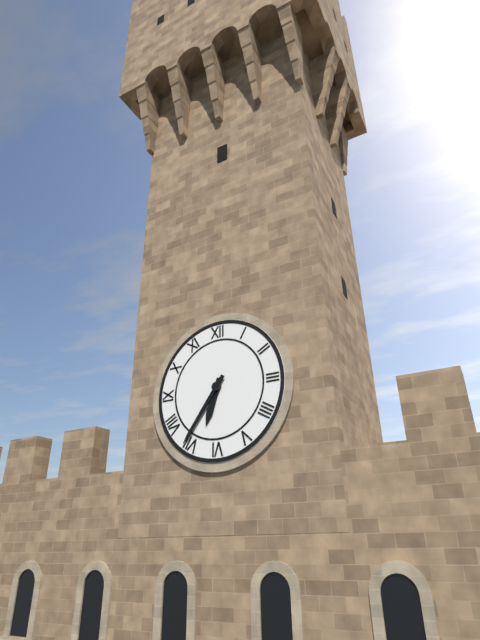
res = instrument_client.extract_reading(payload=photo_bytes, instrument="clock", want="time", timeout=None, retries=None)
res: 6:36
